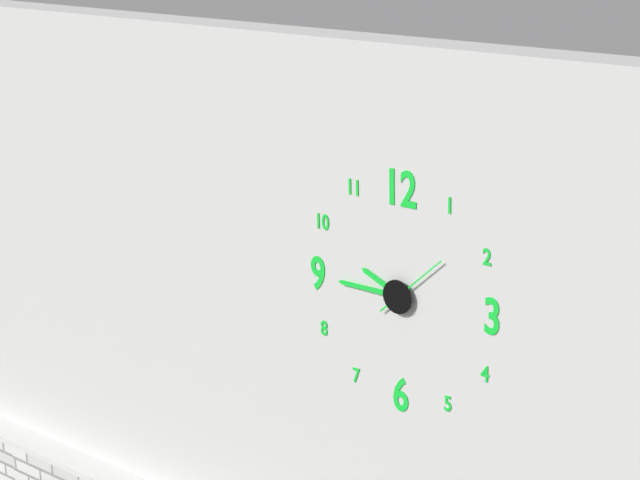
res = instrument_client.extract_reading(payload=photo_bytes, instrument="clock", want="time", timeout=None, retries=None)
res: 9:45:08
